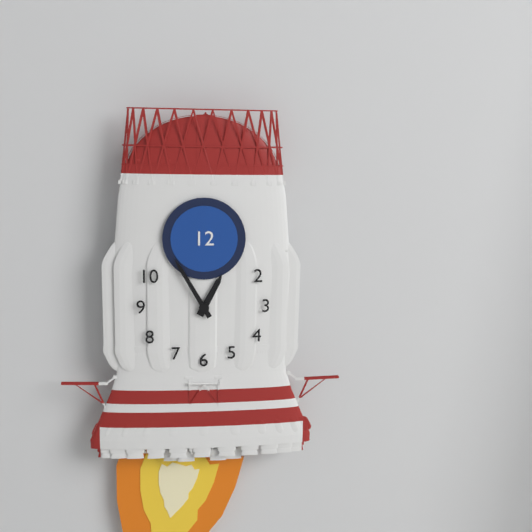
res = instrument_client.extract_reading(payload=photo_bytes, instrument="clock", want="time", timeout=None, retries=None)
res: 12:55
